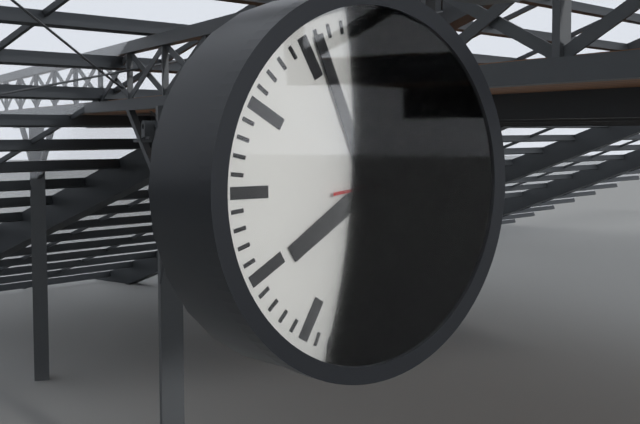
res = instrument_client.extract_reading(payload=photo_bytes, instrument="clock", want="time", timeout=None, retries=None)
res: 7:56:14
